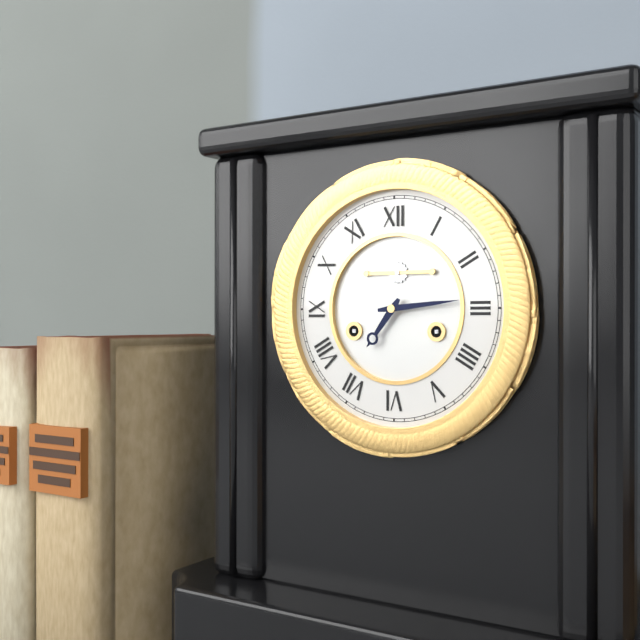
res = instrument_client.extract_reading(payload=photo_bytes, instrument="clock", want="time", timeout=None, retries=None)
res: 7:14
